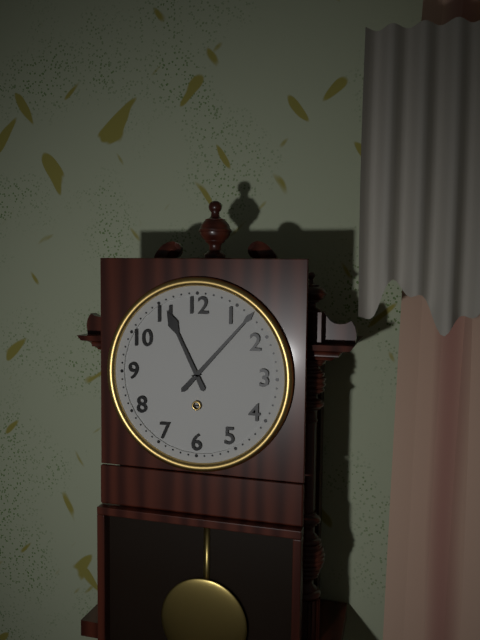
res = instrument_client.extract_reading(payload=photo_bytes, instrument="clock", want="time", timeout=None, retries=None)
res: 11:07
